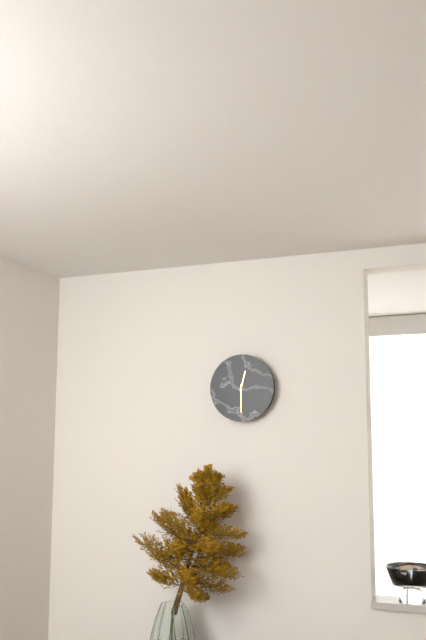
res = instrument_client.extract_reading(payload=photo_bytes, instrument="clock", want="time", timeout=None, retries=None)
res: 12:30
